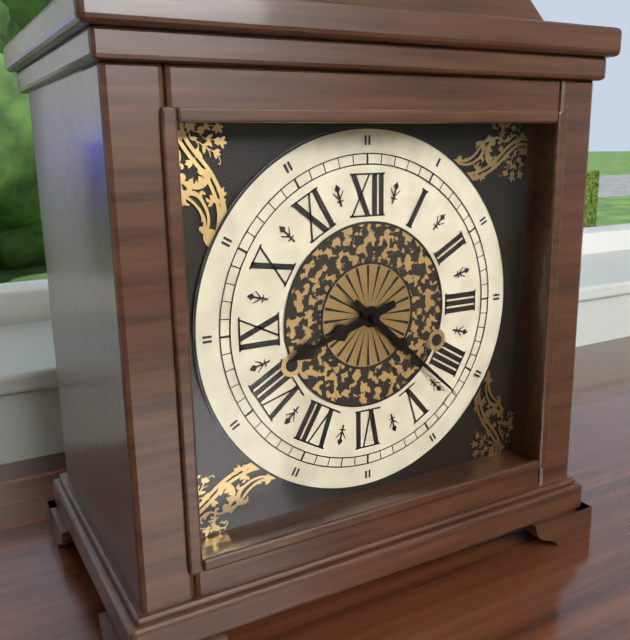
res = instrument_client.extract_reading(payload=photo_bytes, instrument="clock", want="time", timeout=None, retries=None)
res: 8:22
